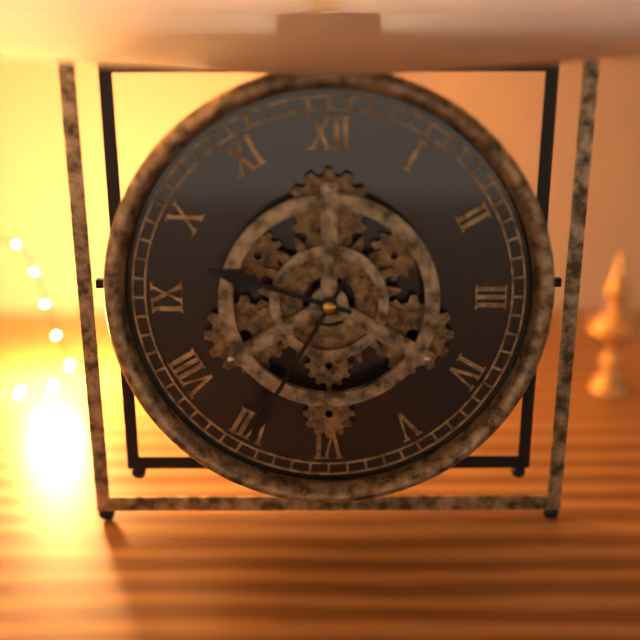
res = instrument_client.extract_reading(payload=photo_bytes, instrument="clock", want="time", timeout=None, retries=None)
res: 9:35
